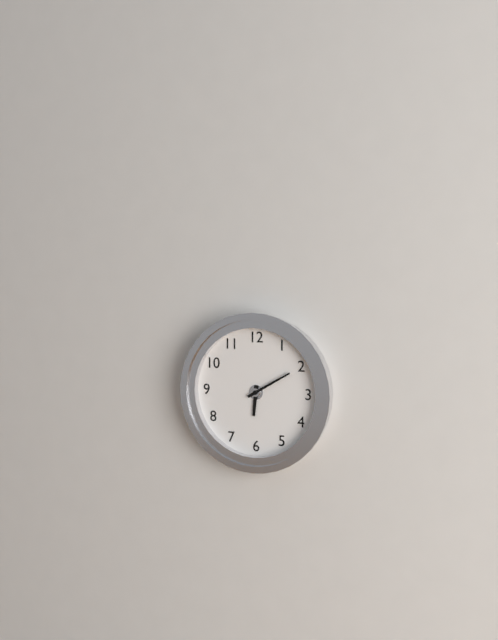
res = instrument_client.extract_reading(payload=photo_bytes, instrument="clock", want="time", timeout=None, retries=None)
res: 6:10
